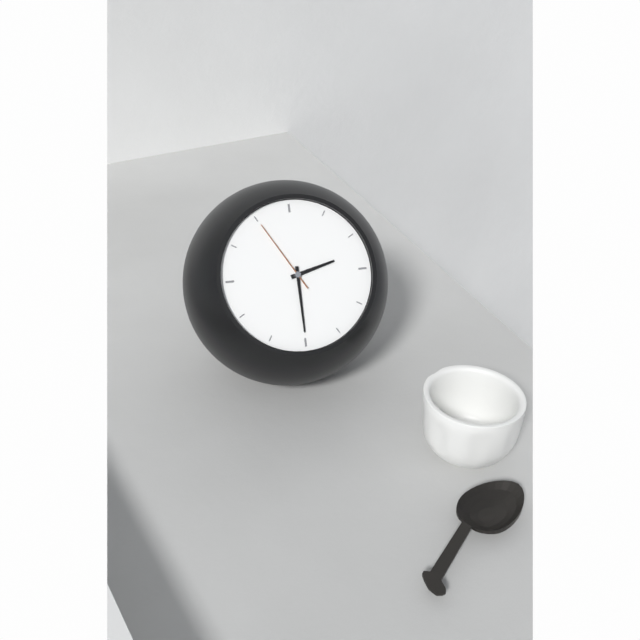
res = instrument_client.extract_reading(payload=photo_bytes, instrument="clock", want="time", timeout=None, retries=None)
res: 2:30:55
